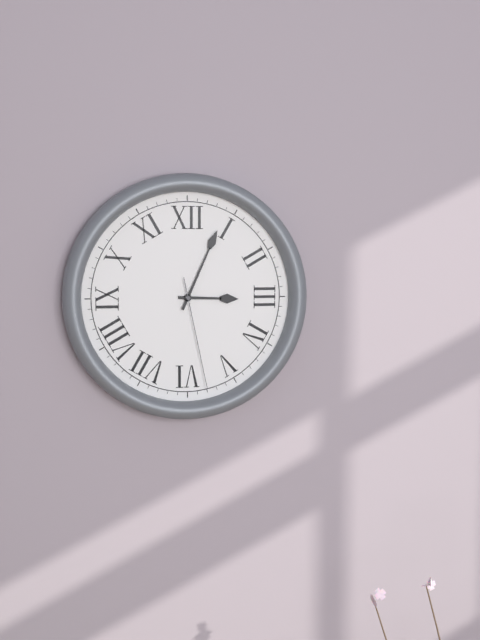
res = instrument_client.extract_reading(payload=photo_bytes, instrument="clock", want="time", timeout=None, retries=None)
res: 3:04:28
